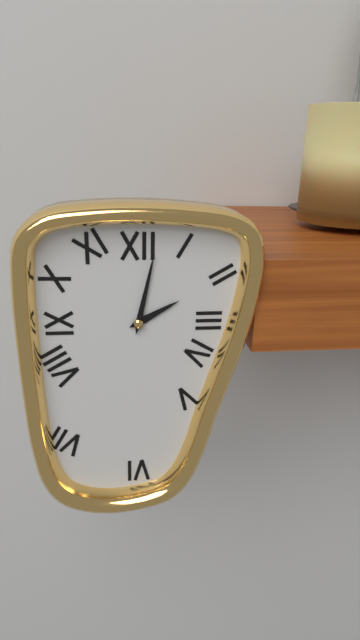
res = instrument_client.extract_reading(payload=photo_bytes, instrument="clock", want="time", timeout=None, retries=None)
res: 2:02
